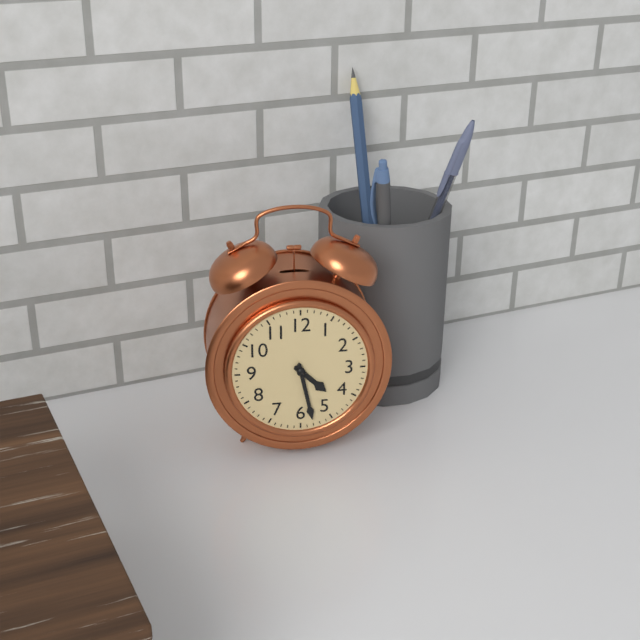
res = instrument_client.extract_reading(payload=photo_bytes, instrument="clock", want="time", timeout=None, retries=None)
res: 4:28
